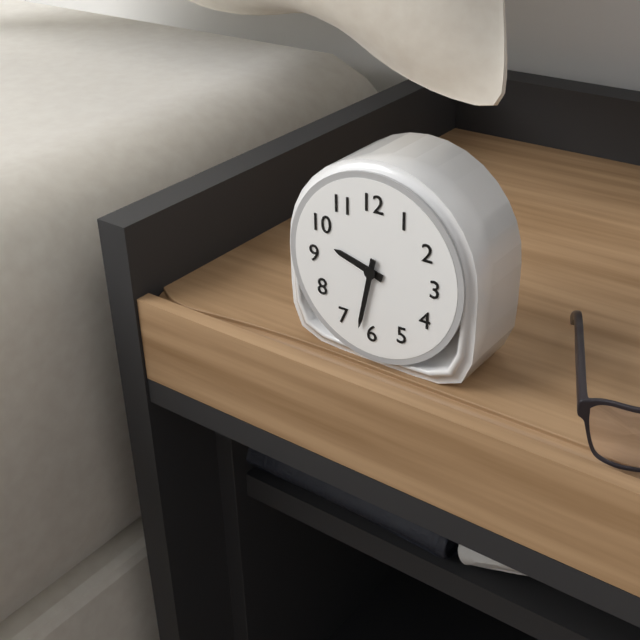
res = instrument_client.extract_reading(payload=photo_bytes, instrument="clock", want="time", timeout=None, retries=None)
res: 9:32
